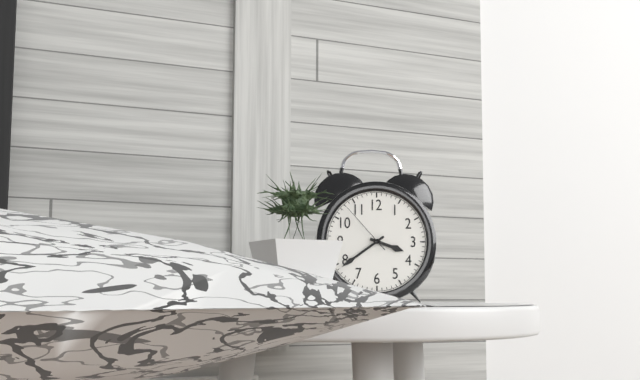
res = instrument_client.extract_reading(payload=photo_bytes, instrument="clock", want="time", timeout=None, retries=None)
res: 3:39:53
